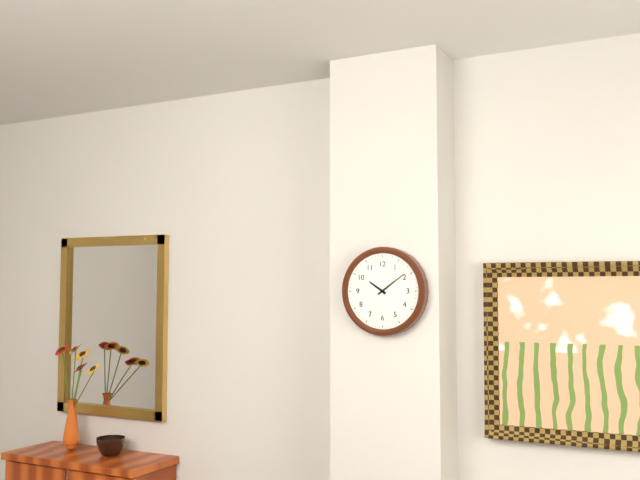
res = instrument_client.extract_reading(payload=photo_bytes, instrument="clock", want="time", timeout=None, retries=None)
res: 10:09
